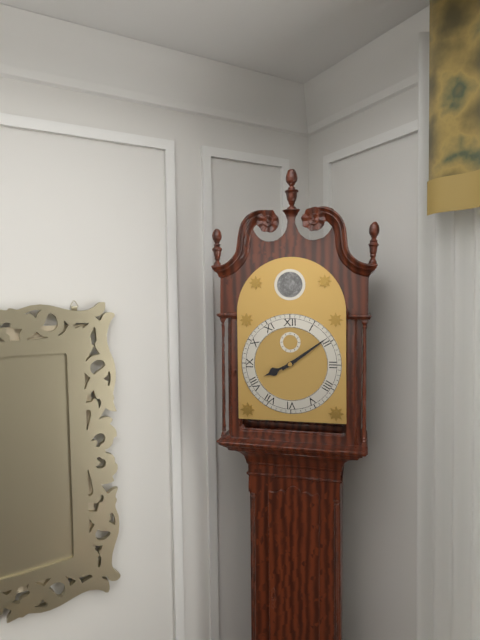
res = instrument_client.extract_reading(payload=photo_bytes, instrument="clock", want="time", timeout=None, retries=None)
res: 8:09
